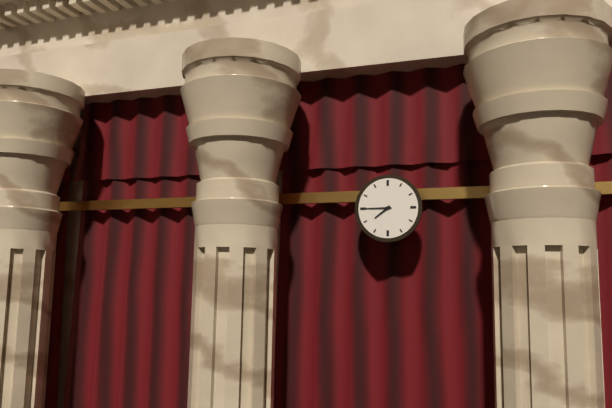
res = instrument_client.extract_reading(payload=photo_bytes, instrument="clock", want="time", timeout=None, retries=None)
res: 7:45
